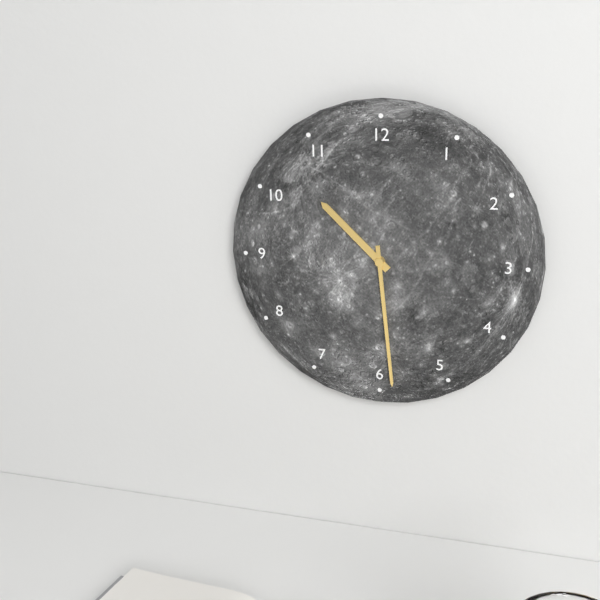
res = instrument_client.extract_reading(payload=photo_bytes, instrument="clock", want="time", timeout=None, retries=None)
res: 10:29
